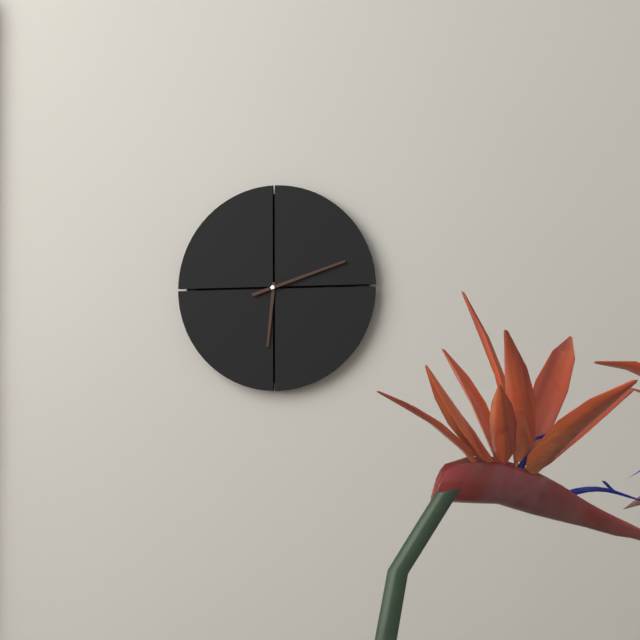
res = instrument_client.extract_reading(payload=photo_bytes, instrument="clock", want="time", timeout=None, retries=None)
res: 6:12
